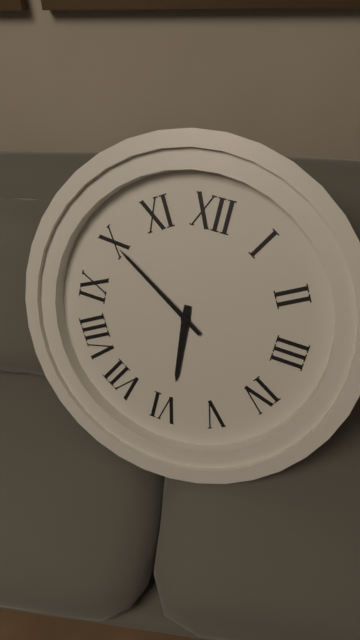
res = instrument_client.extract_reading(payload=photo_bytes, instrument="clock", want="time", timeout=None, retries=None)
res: 5:50
